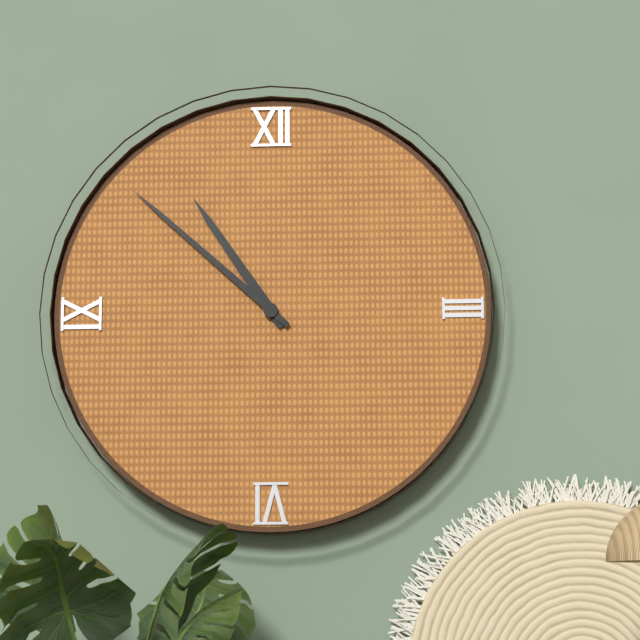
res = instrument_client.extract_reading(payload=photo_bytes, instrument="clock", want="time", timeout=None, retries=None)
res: 10:52
